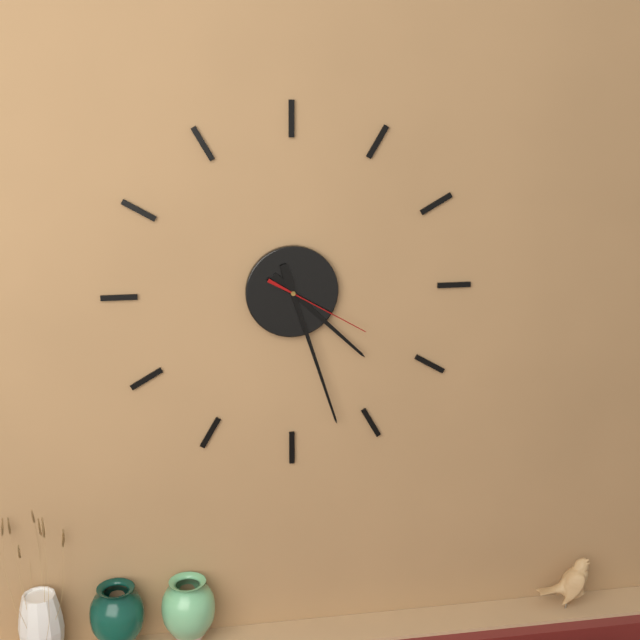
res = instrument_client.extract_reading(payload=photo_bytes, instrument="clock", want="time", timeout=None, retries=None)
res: 4:27:20
